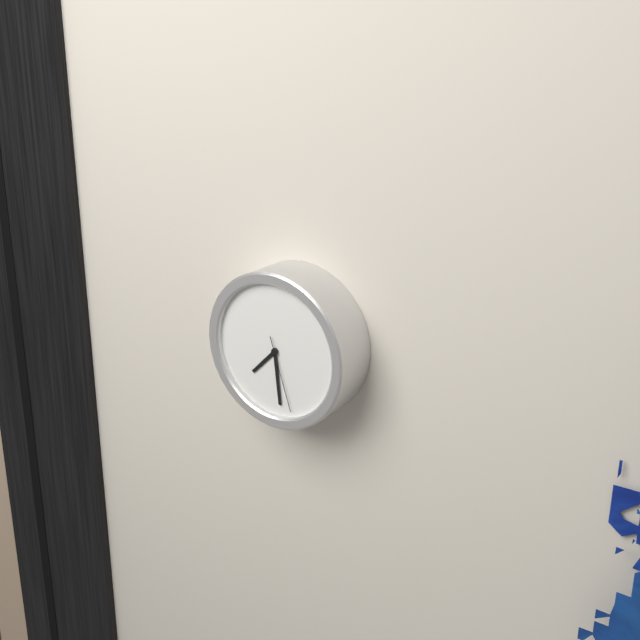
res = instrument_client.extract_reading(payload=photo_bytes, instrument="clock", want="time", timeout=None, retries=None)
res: 7:29:27
